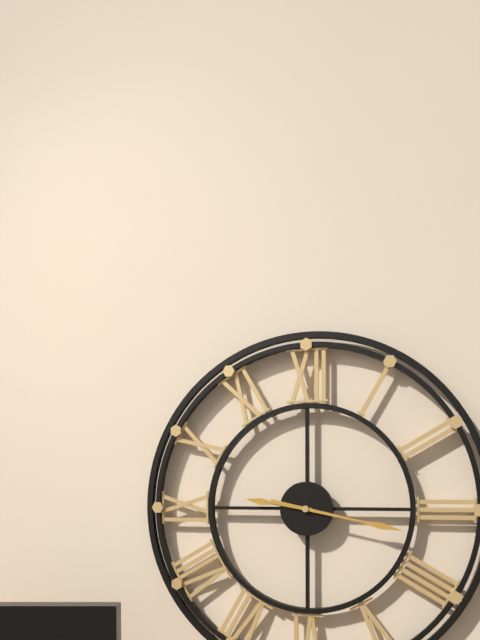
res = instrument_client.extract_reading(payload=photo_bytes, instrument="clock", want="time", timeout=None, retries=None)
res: 9:17
